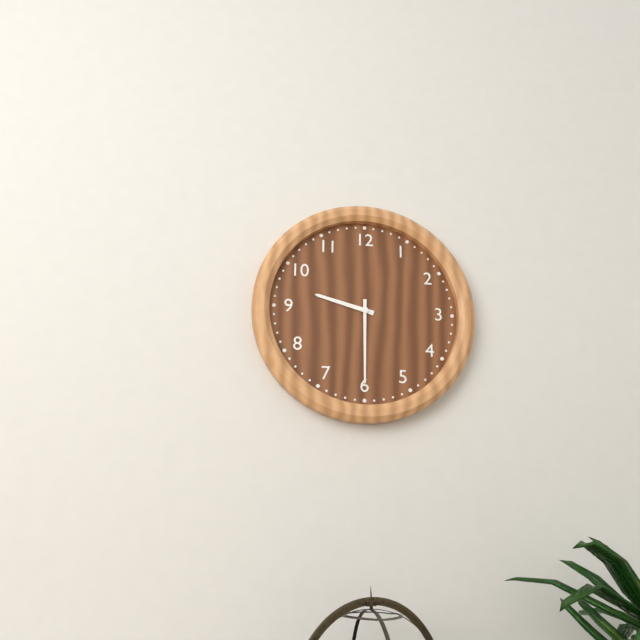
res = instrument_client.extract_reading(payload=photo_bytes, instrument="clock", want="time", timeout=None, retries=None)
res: 9:30
